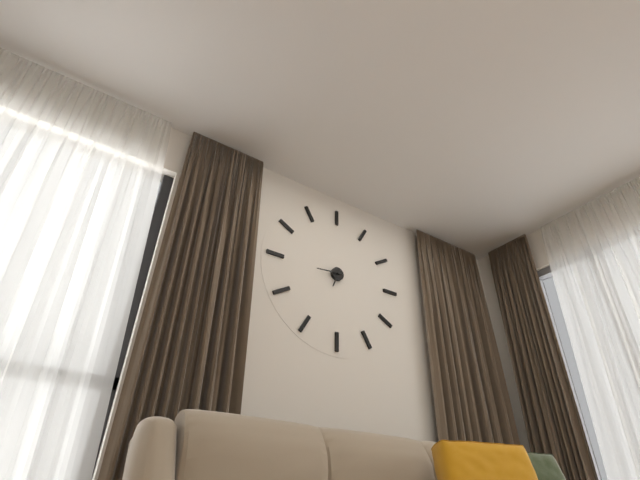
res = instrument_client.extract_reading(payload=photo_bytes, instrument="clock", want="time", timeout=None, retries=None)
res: 6:44
